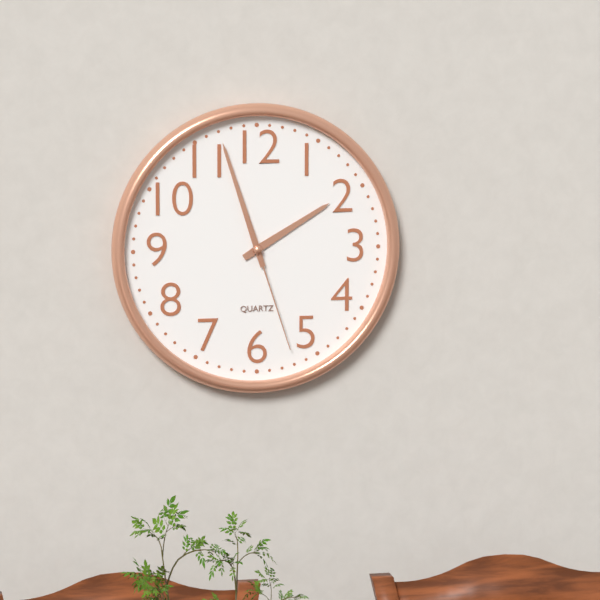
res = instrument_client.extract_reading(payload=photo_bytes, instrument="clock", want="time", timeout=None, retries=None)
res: 1:57:27
